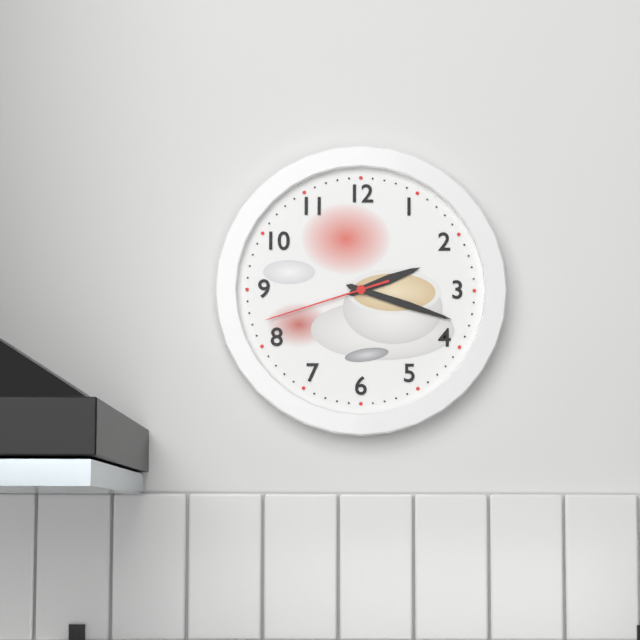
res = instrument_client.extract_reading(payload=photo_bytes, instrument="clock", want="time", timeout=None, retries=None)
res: 2:18:42
